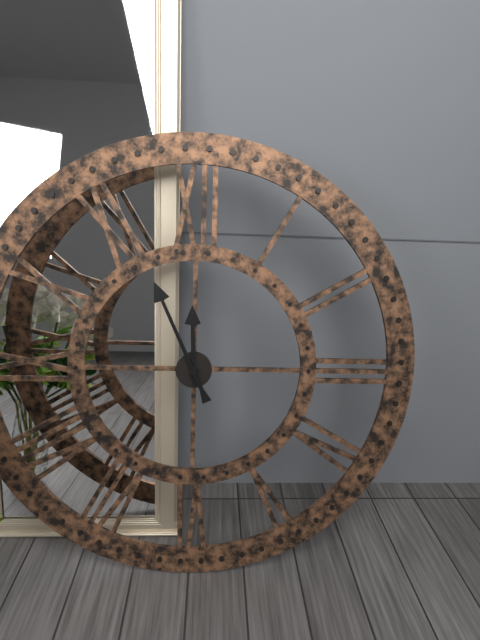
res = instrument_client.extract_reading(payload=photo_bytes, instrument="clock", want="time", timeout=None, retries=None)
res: 11:56
